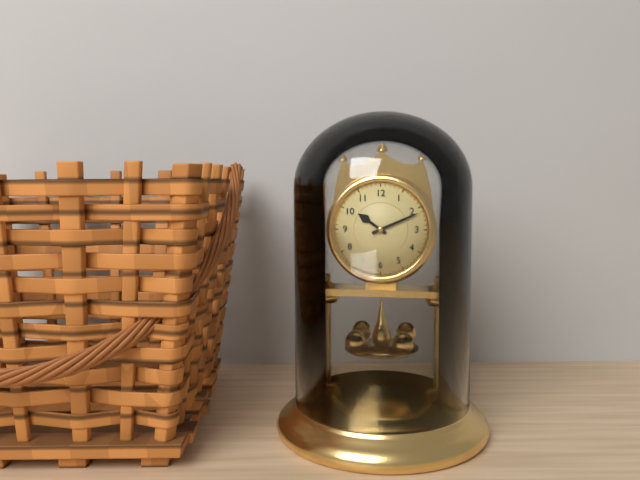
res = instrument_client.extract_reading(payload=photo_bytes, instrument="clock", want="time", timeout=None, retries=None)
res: 10:11
